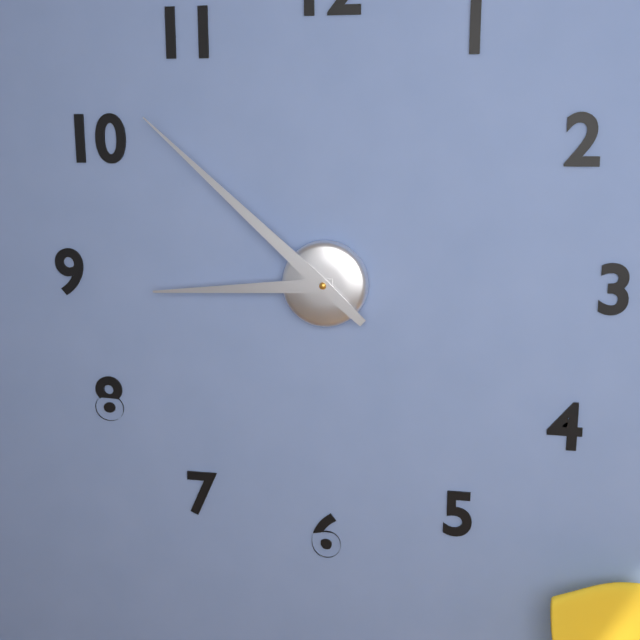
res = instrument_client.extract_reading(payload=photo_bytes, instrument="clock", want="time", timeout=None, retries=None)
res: 8:52
